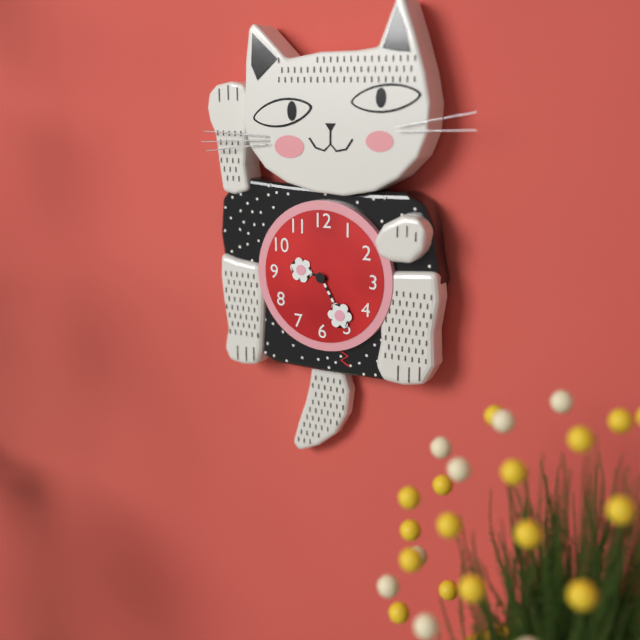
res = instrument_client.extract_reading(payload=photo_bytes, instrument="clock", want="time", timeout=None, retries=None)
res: 9:25
